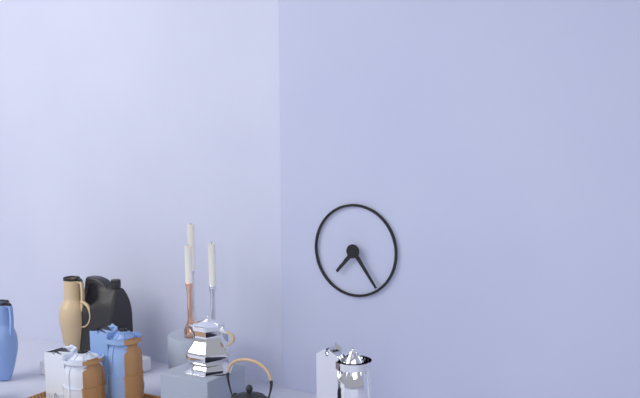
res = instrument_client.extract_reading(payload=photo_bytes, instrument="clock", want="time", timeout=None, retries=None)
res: 7:24
